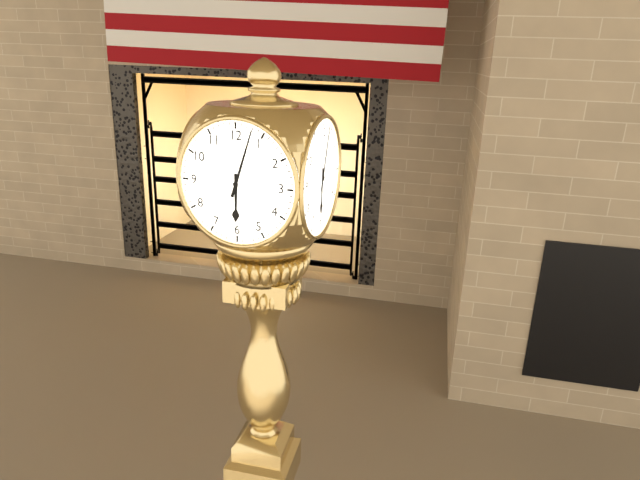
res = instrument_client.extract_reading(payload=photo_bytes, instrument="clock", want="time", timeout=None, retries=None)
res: 6:03
